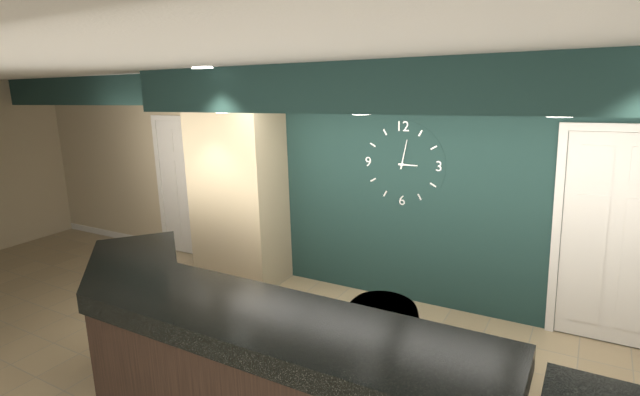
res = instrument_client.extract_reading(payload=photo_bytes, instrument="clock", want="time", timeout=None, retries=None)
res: 3:02
